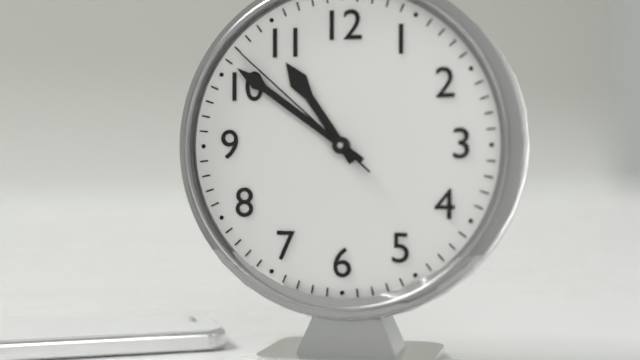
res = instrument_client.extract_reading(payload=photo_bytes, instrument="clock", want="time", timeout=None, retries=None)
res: 10:51:52
